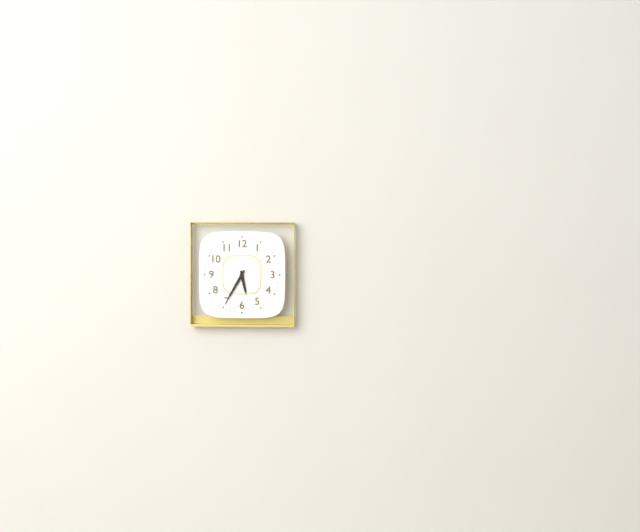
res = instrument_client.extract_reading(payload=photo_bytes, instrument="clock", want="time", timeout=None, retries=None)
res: 5:35
